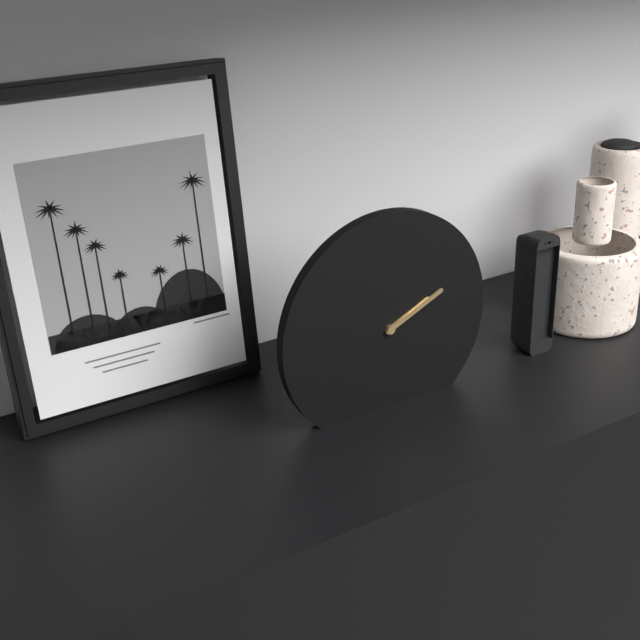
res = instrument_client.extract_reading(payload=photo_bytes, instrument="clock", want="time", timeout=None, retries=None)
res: 2:11
